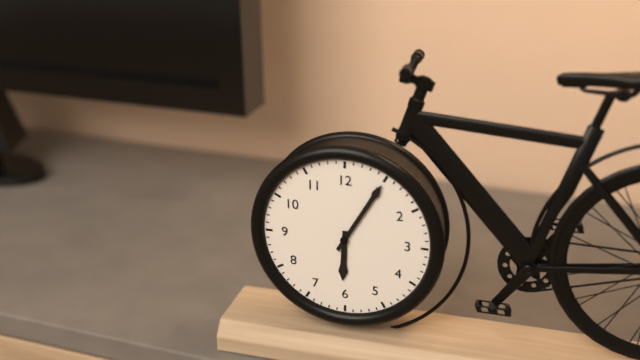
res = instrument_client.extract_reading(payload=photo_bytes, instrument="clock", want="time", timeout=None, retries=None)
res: 6:05
